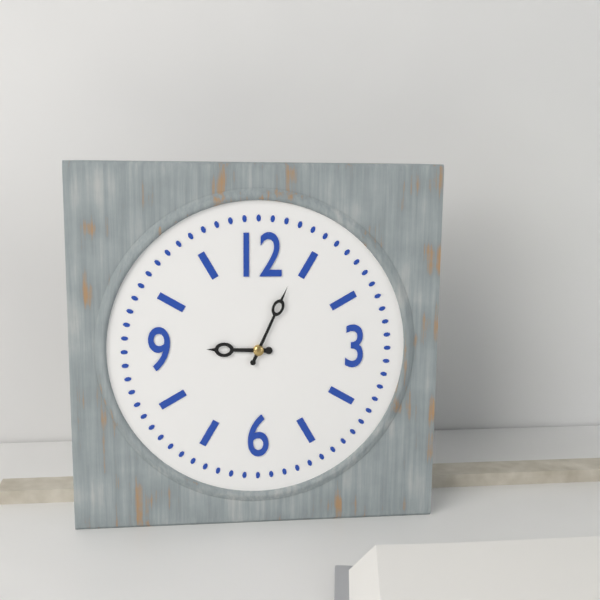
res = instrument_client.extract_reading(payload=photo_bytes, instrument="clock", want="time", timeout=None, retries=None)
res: 9:04
